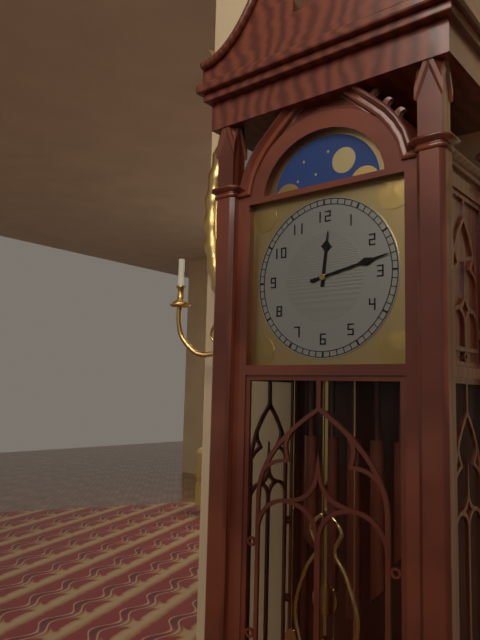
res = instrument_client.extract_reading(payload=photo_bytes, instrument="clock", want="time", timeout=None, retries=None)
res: 12:13
